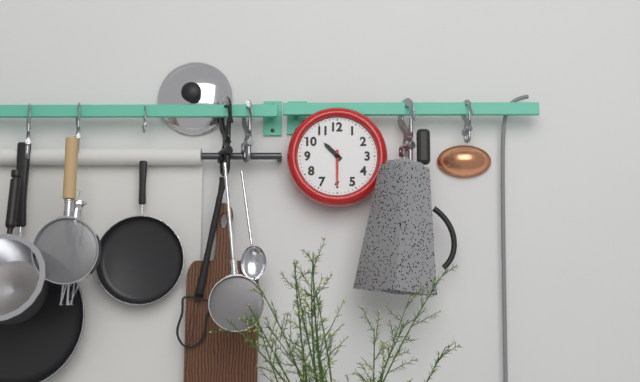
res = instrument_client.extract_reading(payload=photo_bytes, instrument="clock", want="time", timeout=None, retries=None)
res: 10:30
